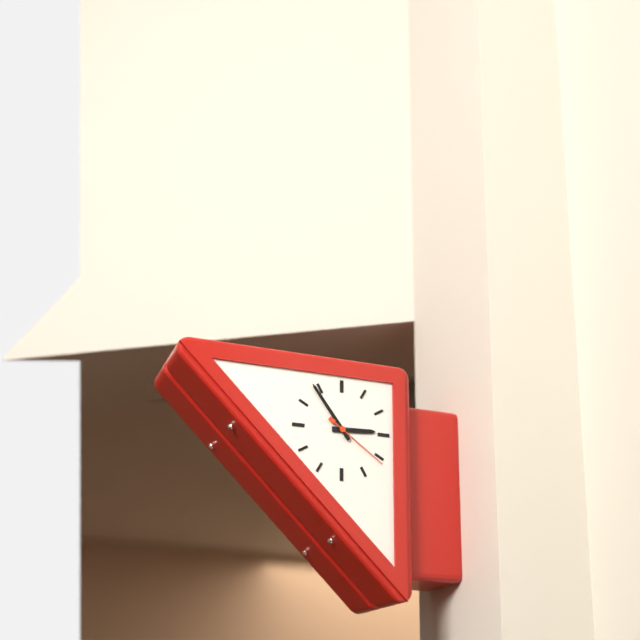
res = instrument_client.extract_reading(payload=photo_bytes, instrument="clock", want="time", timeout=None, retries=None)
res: 2:54:21
